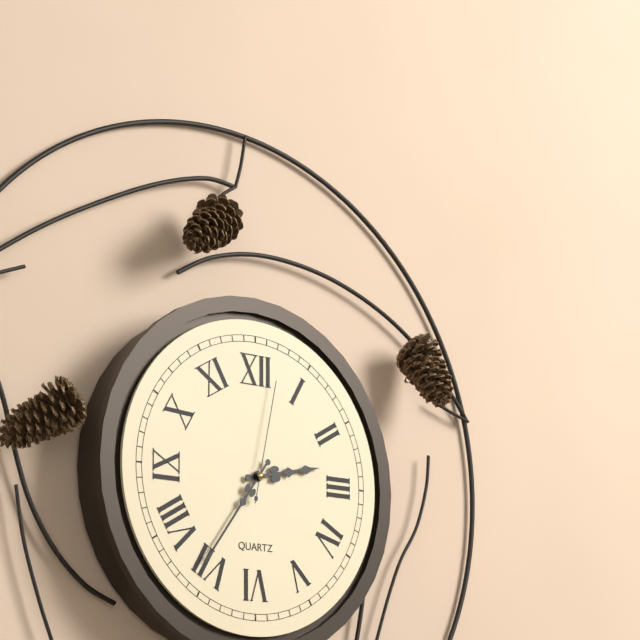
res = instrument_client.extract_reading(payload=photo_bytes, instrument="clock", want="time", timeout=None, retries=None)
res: 2:36:02
